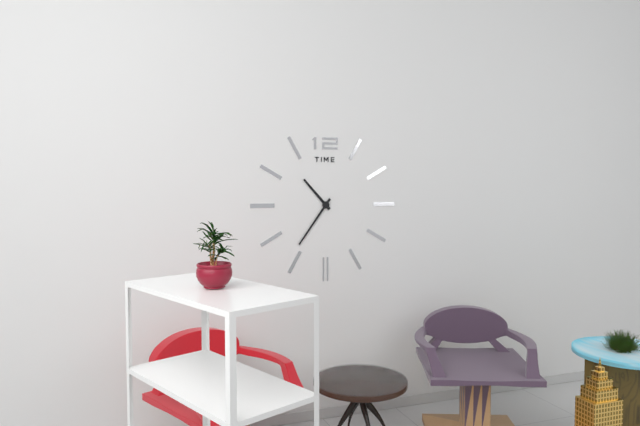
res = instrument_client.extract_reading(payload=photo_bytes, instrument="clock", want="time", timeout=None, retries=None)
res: 10:36
